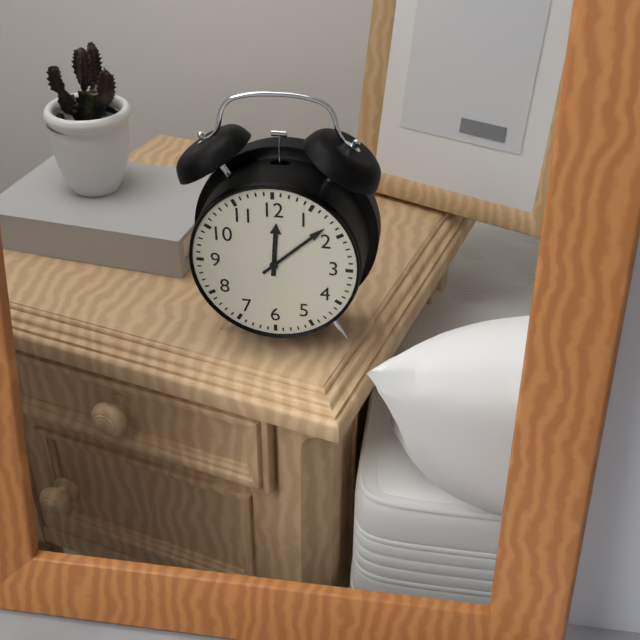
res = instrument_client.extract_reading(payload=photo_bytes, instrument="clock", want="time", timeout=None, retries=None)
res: 12:08
